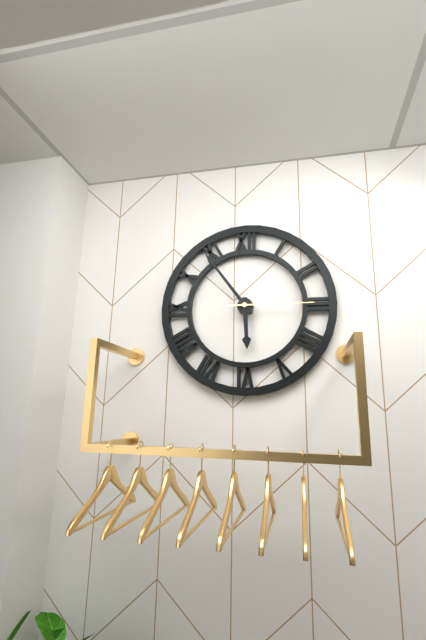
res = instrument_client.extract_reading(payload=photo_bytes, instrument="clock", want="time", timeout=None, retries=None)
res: 5:54:15
